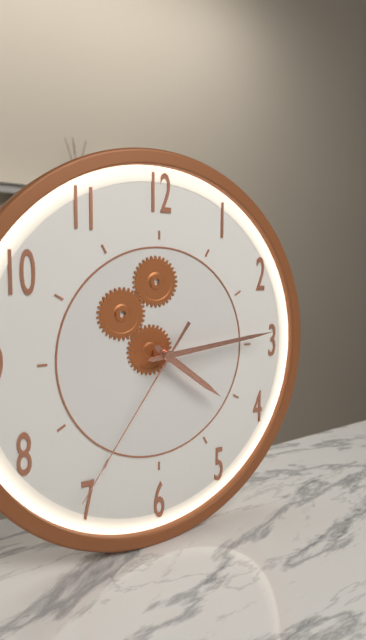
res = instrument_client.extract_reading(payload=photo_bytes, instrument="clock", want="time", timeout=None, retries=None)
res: 4:14:36
